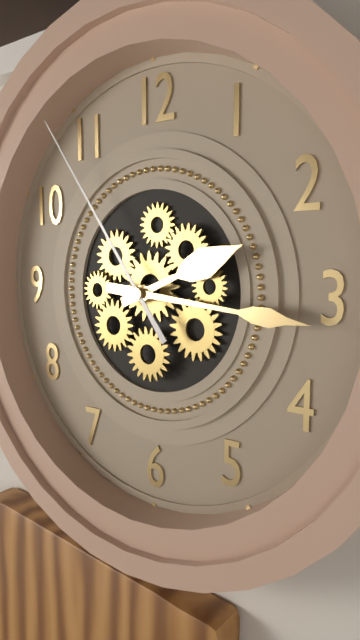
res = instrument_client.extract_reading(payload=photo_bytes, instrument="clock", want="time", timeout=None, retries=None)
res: 2:16:54
